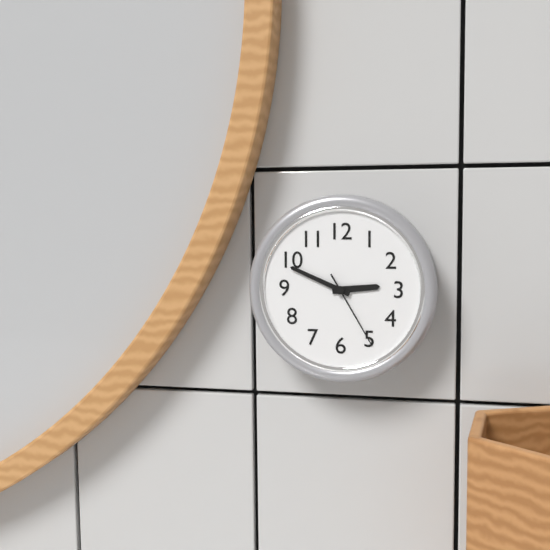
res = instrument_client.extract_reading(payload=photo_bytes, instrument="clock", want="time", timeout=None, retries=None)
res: 2:49:25
